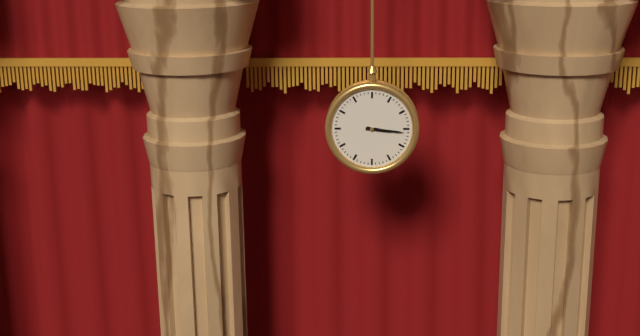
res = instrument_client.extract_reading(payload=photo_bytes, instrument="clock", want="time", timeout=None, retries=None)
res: 3:16
